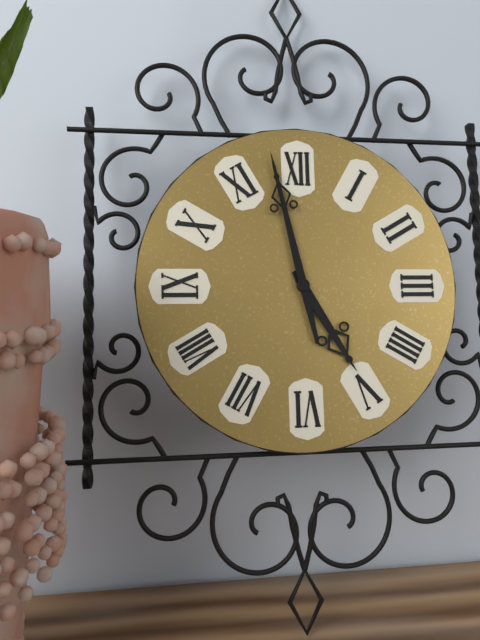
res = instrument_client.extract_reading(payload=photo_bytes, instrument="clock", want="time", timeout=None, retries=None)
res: 4:58
